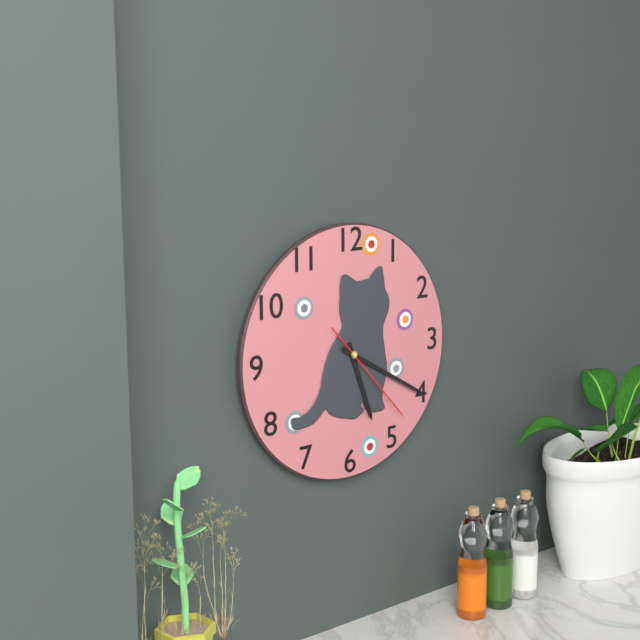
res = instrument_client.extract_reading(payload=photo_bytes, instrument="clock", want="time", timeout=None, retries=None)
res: 5:20:23
